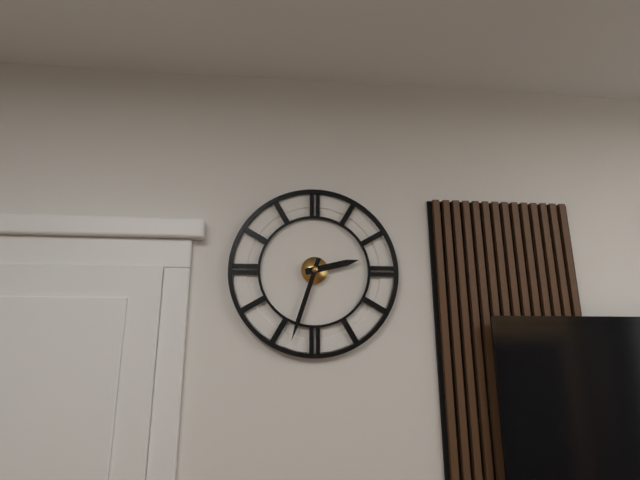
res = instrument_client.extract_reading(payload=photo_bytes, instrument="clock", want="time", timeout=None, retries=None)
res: 2:33
